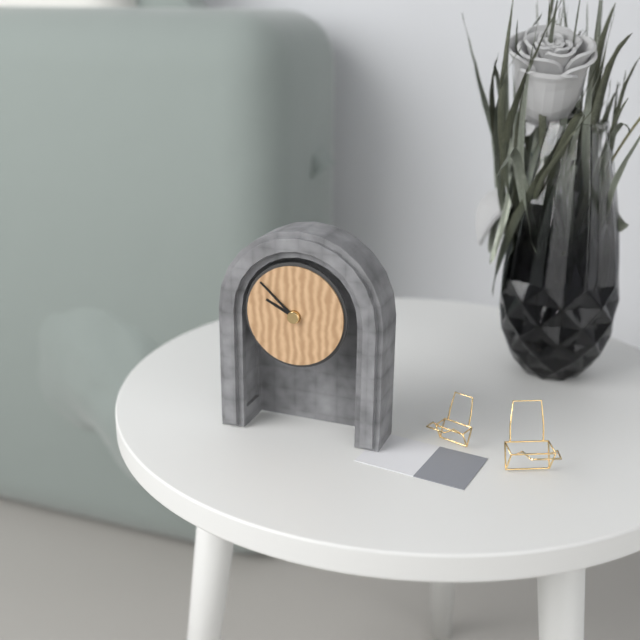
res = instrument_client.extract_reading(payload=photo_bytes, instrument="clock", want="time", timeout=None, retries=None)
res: 9:52
